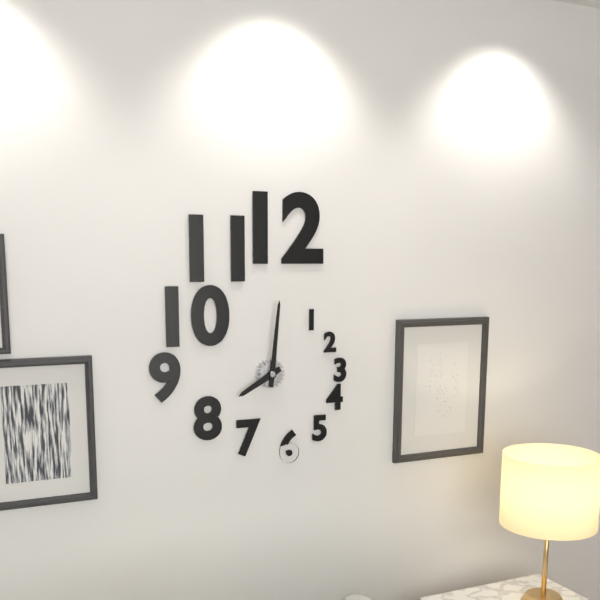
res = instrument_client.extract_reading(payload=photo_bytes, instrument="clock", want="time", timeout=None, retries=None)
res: 8:01
